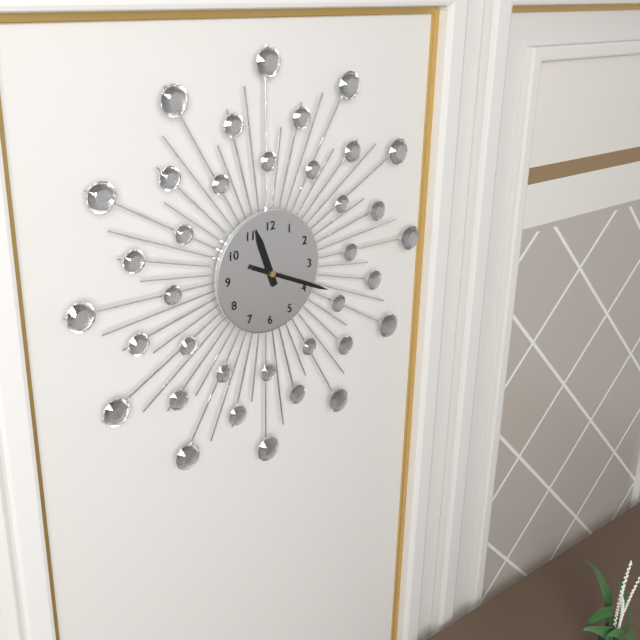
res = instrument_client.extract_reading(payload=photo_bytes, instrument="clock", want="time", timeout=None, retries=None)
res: 11:19
